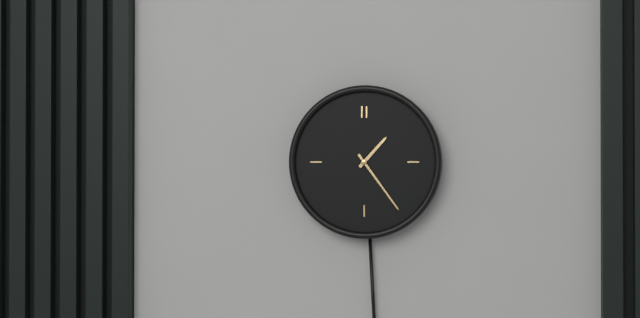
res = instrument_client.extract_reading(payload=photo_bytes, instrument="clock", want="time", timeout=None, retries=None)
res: 1:24
